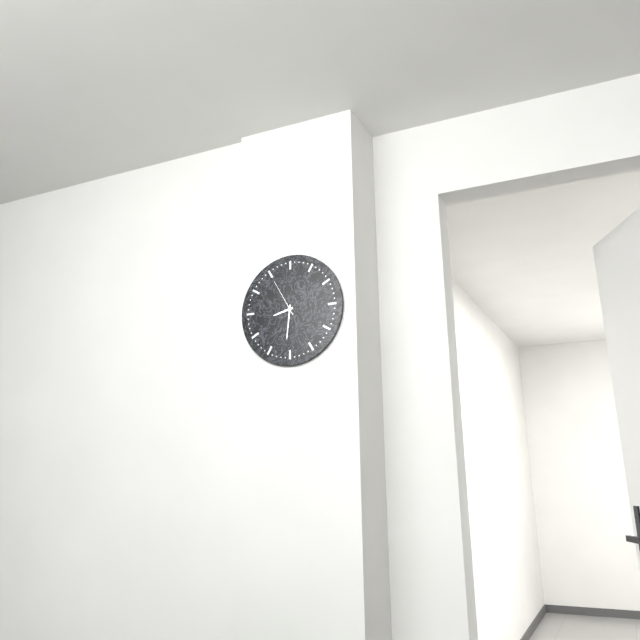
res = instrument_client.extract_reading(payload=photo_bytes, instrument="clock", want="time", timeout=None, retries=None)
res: 8:31
